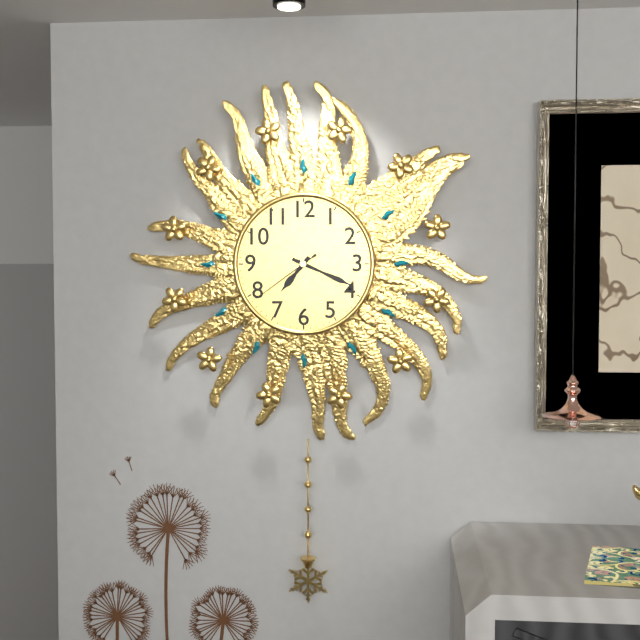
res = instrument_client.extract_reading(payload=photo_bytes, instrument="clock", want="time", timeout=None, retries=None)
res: 7:19:39
